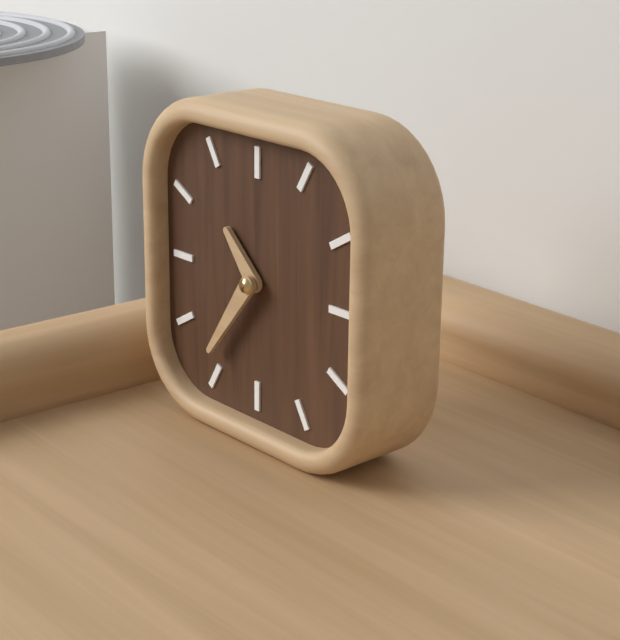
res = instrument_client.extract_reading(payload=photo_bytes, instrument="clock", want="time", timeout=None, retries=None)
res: 10:36
